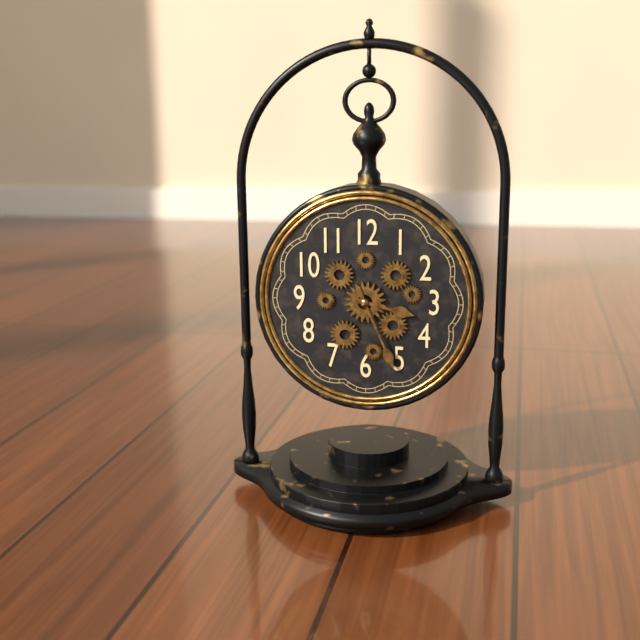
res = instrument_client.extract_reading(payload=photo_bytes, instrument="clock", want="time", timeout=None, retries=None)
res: 3:26
